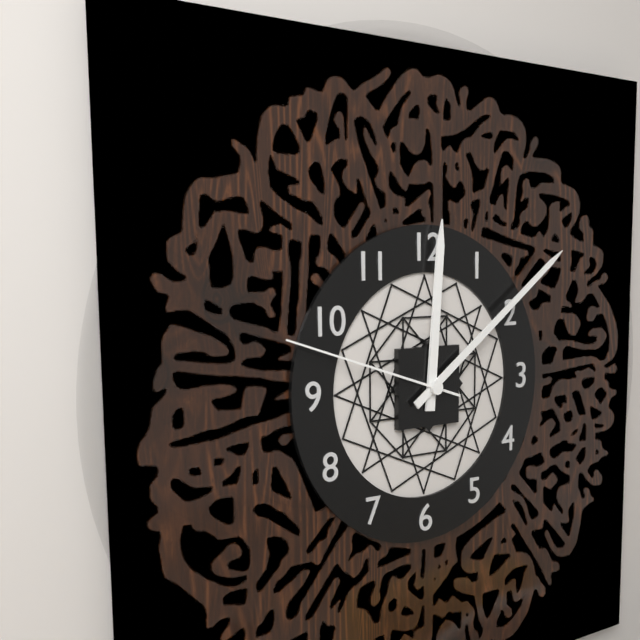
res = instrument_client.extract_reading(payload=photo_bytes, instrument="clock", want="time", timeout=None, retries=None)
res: 12:09:48
